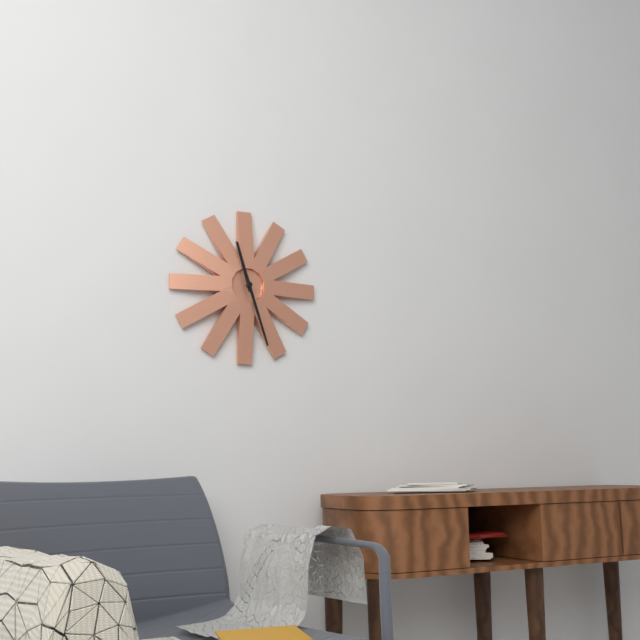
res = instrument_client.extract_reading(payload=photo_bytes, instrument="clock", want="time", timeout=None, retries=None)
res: 11:27
